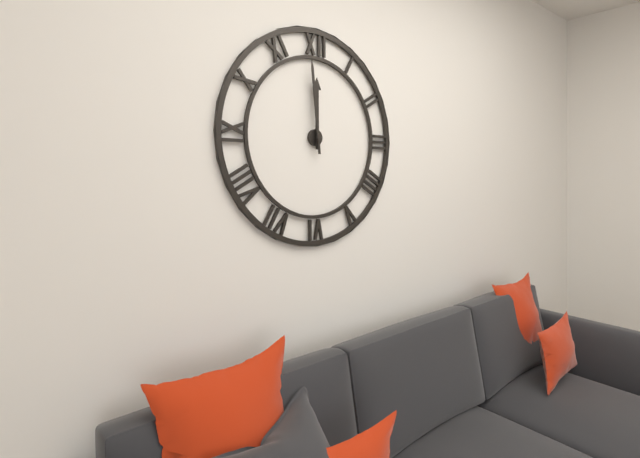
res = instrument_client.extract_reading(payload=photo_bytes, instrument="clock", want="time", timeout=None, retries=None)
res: 11:59
